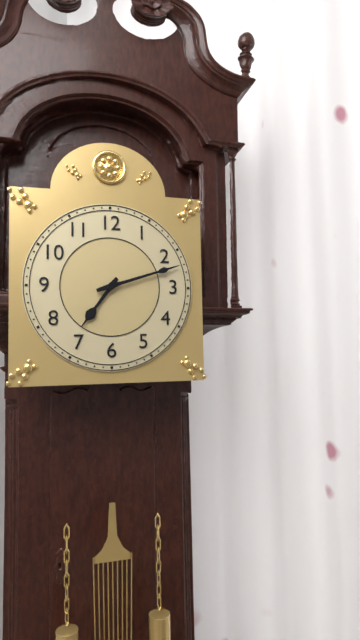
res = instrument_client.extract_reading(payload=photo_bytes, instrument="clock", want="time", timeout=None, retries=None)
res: 7:12
